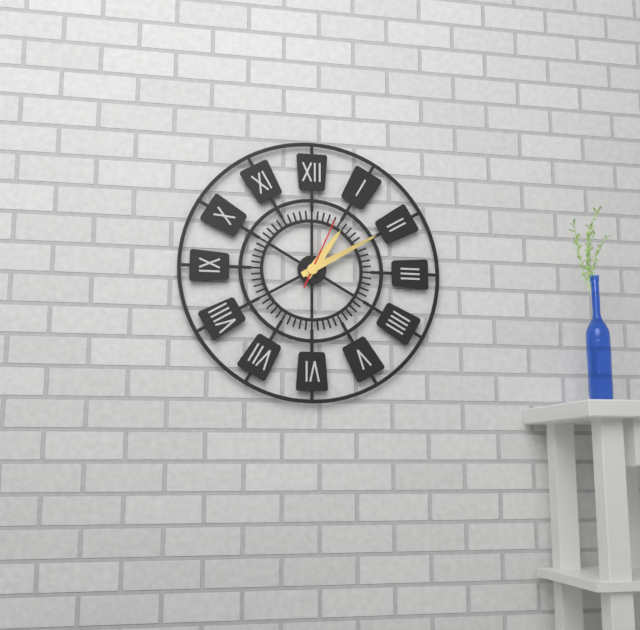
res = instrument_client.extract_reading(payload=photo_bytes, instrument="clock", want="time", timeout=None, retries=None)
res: 1:10:04
